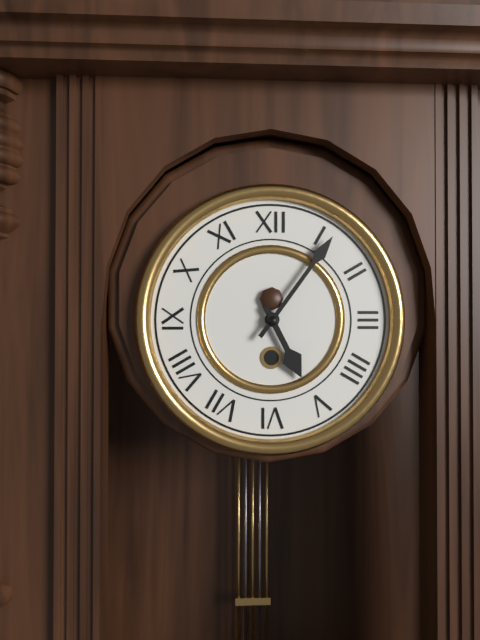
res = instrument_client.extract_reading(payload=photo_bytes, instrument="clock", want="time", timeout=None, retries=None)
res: 5:06
